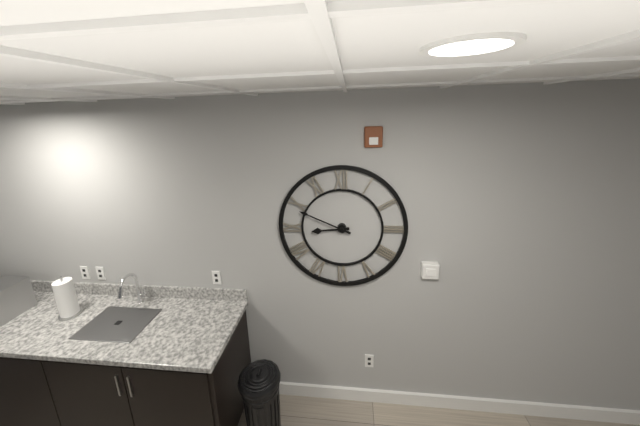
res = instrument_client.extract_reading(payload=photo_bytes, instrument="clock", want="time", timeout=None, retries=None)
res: 8:49
